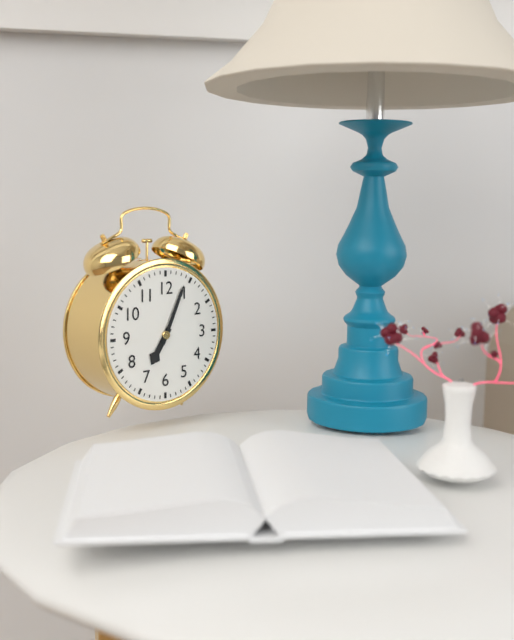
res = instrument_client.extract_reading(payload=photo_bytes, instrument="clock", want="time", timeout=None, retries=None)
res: 7:04
